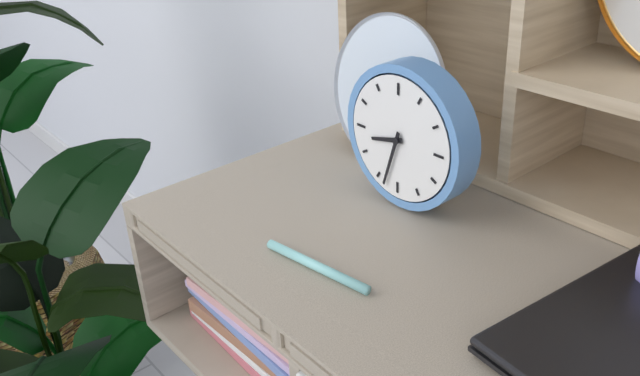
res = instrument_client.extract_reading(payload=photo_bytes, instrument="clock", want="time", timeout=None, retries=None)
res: 8:33
